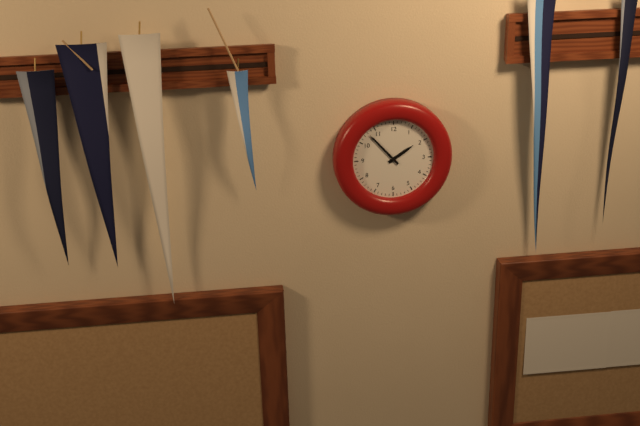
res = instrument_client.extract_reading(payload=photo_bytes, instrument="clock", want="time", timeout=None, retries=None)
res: 1:53
